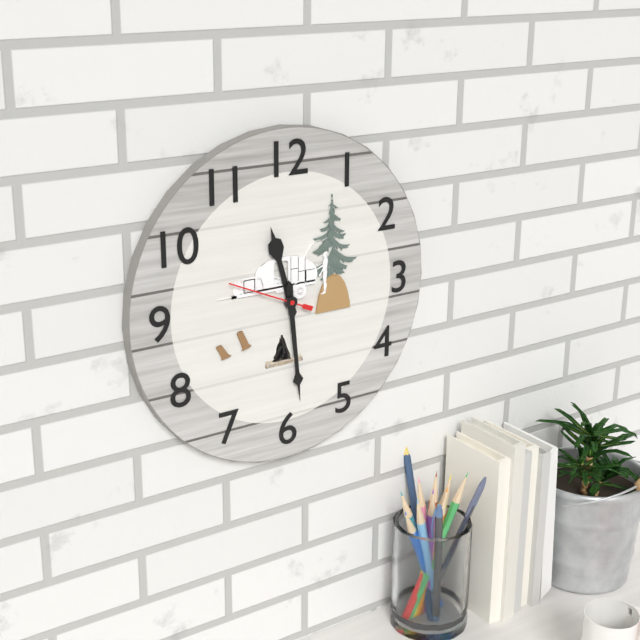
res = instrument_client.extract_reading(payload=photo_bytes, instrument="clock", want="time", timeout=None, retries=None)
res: 11:29:49
